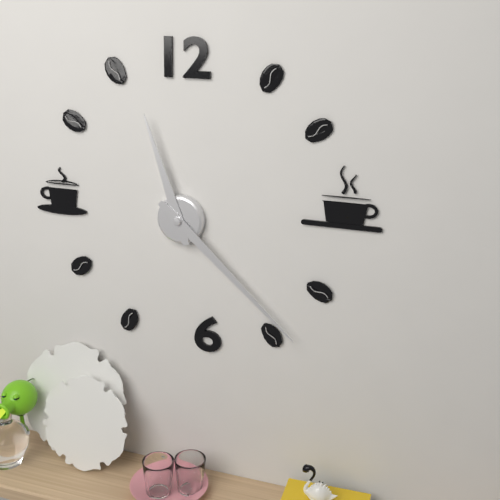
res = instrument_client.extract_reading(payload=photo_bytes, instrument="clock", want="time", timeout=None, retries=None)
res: 11:22
